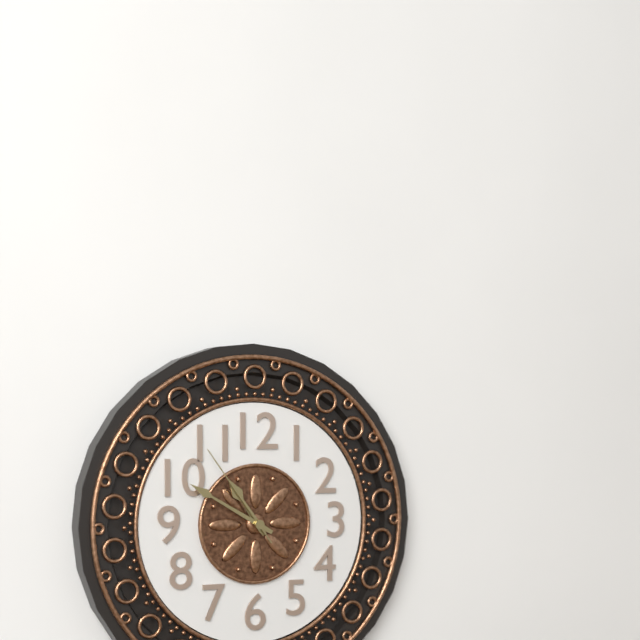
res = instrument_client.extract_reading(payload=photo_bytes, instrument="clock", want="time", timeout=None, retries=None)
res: 10:50:54
